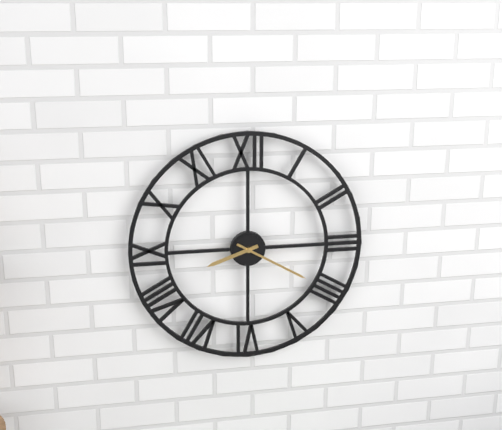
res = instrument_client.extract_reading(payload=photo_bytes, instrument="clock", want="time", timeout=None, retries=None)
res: 8:20
